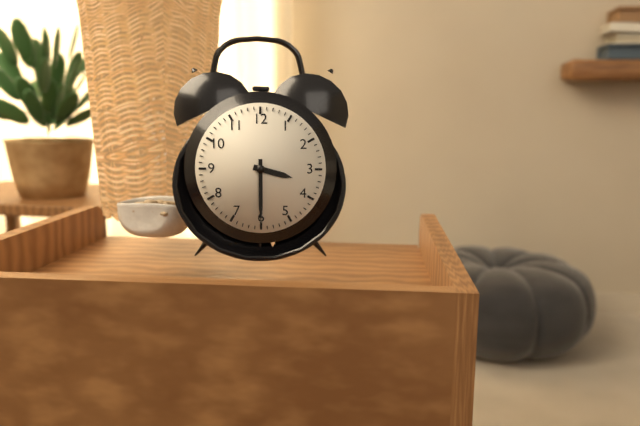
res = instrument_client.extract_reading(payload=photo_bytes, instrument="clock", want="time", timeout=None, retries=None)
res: 3:30
